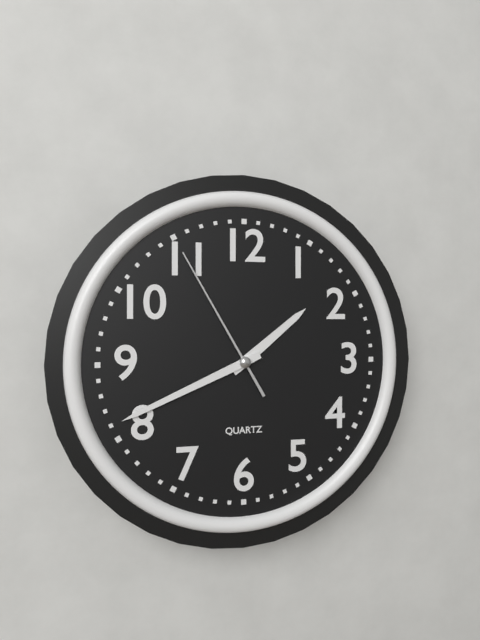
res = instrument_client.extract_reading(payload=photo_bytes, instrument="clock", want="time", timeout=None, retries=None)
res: 1:41:55
